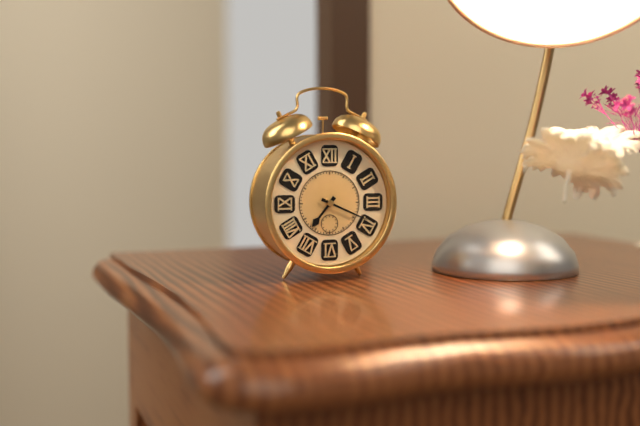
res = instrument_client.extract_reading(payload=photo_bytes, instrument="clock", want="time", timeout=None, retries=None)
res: 7:19
